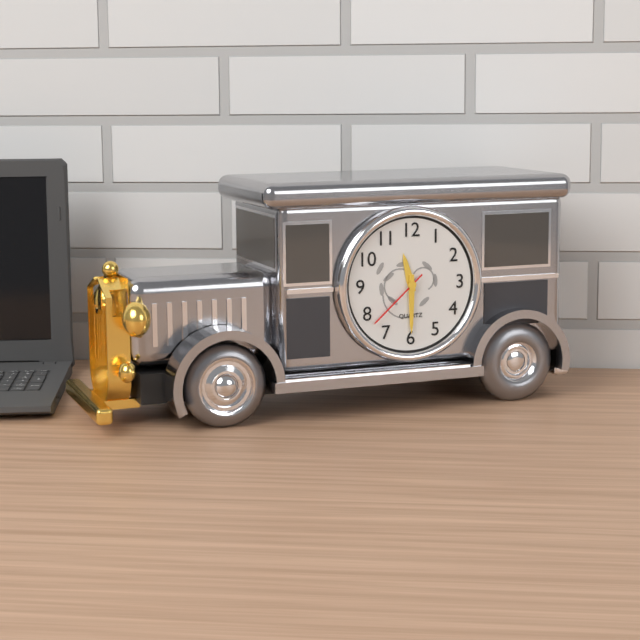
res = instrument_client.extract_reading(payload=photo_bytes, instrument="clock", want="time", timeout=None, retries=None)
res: 11:30:38
